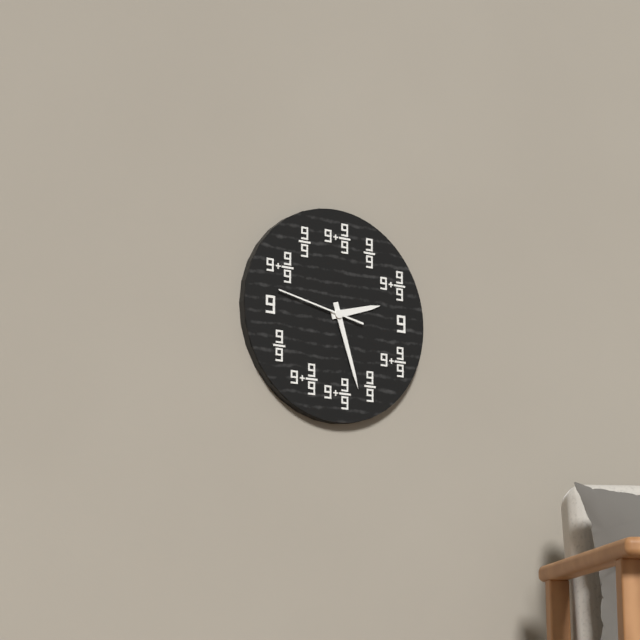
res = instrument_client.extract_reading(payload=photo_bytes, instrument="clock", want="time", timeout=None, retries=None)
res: 2:27:47
